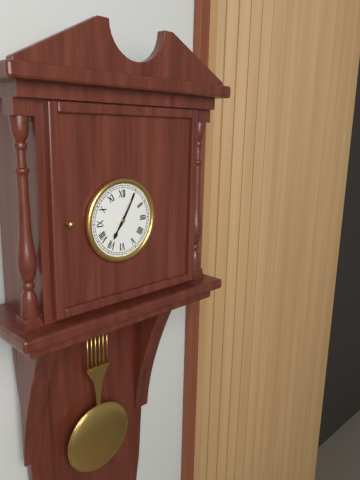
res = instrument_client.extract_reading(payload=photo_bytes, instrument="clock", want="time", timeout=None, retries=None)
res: 7:05
